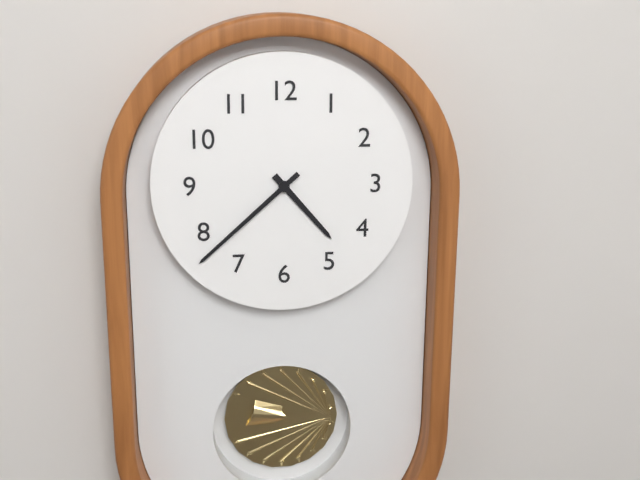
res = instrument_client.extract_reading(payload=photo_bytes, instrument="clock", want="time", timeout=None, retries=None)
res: 4:38
